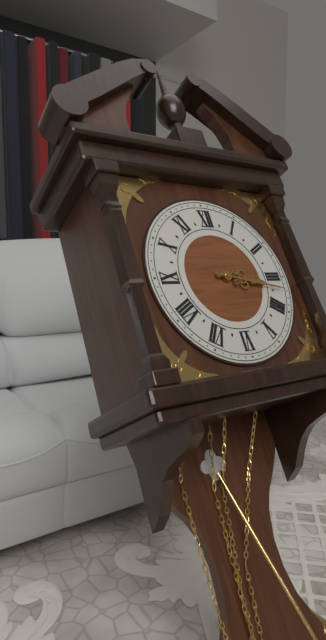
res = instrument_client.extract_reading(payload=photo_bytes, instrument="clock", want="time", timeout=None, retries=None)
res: 3:17
